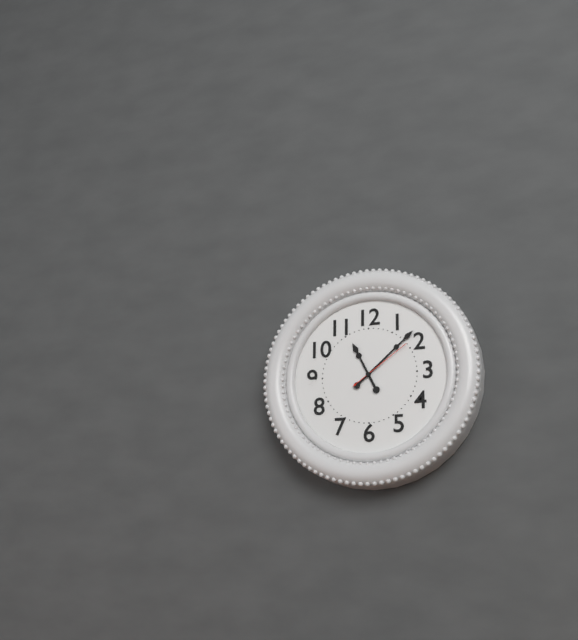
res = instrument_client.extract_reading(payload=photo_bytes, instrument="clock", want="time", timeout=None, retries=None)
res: 11:08:09
